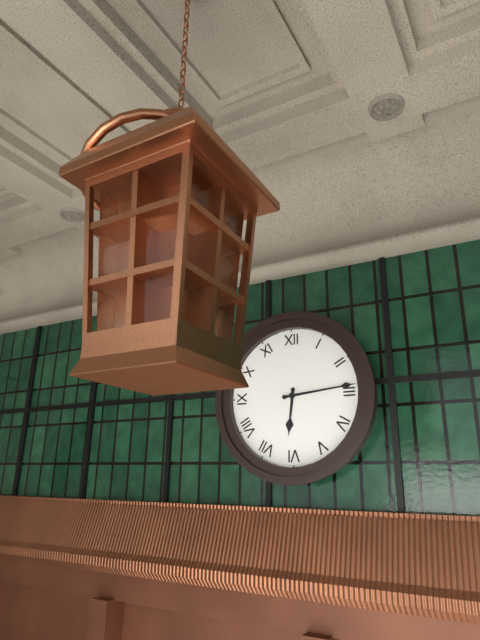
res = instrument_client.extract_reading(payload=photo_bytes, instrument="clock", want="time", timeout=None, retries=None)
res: 6:14
